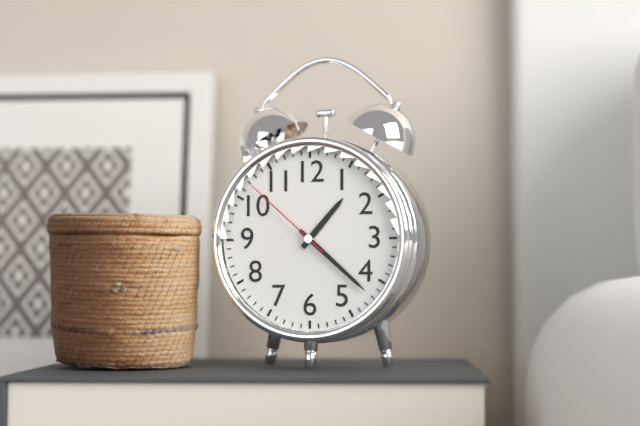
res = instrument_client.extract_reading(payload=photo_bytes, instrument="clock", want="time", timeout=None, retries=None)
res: 1:22:52
